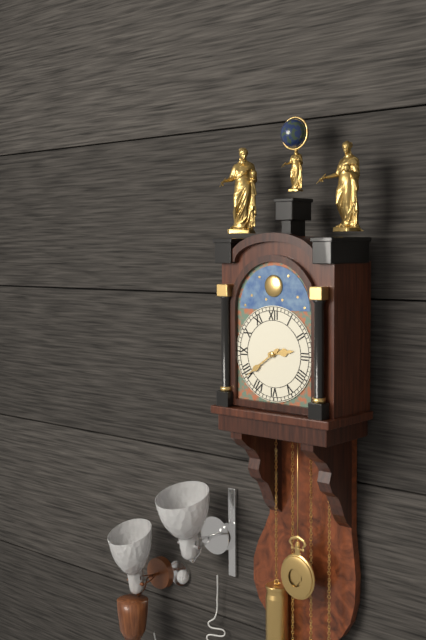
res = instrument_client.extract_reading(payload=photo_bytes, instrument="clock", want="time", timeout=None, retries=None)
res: 2:39
